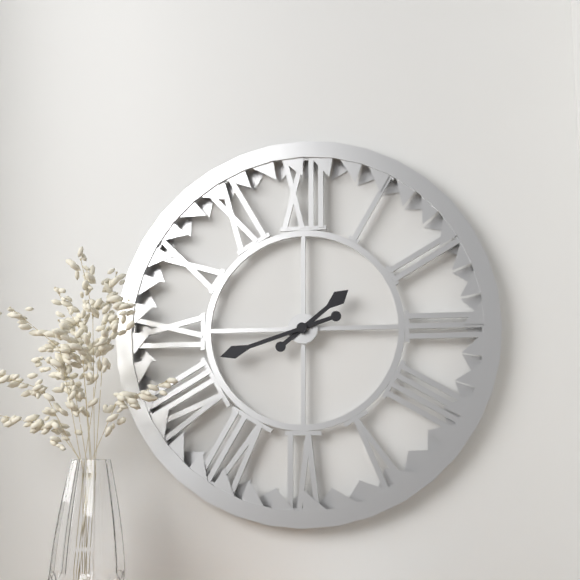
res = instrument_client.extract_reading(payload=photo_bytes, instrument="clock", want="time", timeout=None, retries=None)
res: 1:42
